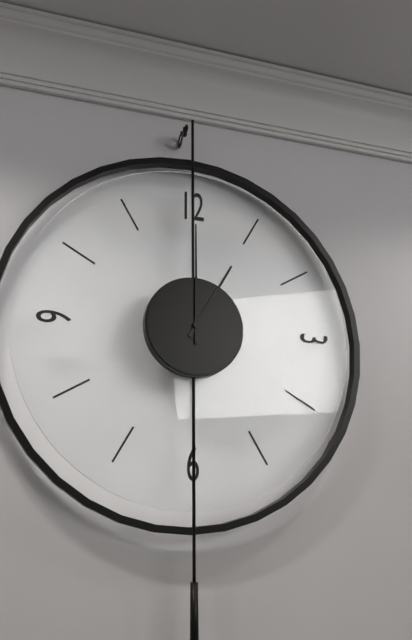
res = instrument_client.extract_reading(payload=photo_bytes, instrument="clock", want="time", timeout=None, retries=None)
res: 1:00
